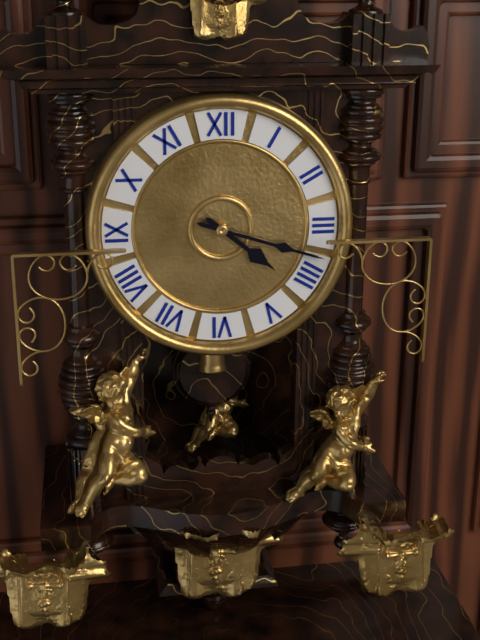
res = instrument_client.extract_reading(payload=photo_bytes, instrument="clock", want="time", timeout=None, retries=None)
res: 4:18
